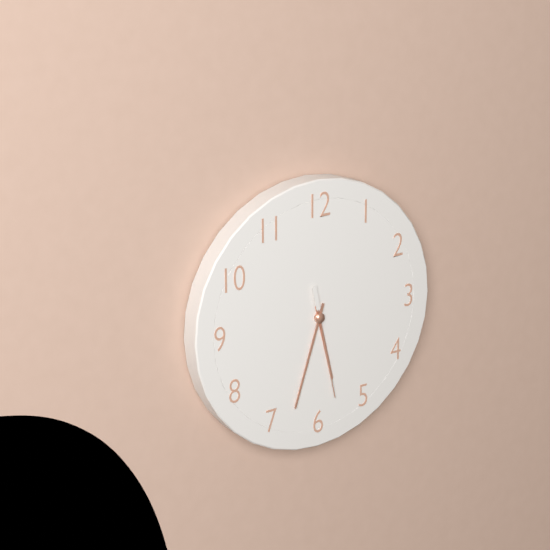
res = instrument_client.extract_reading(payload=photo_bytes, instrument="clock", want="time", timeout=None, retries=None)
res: 5:33:28
